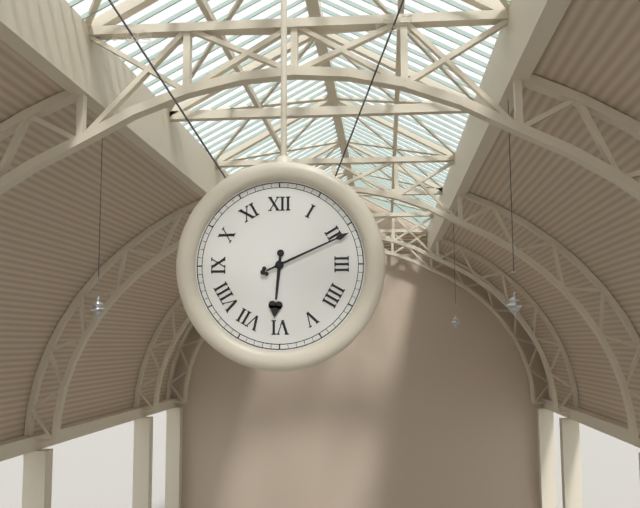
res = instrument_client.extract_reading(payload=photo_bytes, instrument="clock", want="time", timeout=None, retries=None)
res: 6:11
